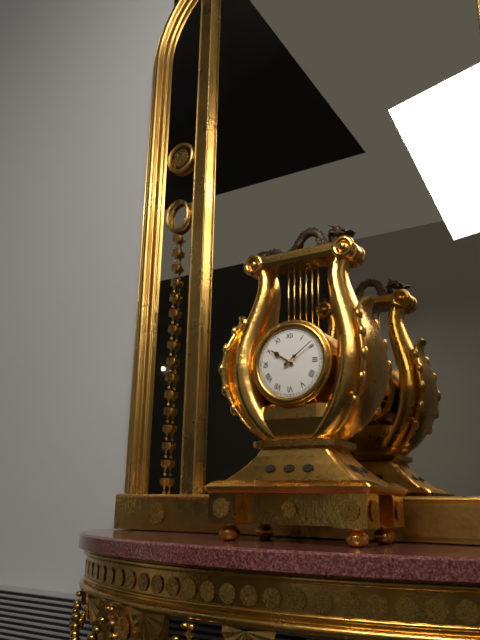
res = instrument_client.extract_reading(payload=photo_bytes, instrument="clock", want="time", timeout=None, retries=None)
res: 10:09
